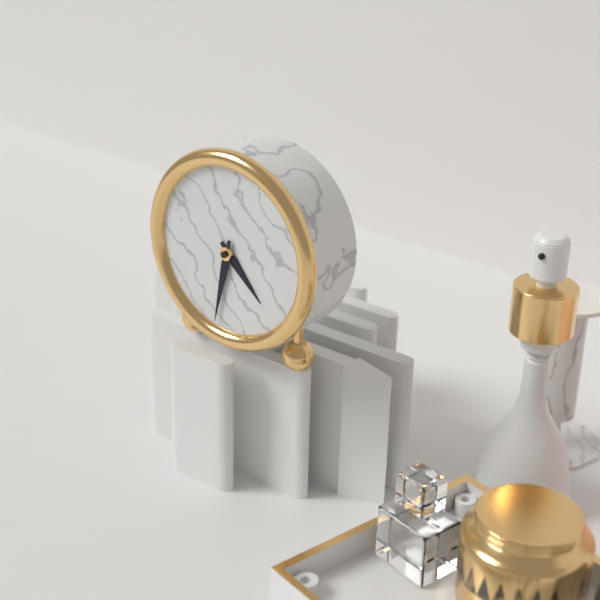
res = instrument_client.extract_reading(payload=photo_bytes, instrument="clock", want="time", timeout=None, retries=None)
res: 4:32
